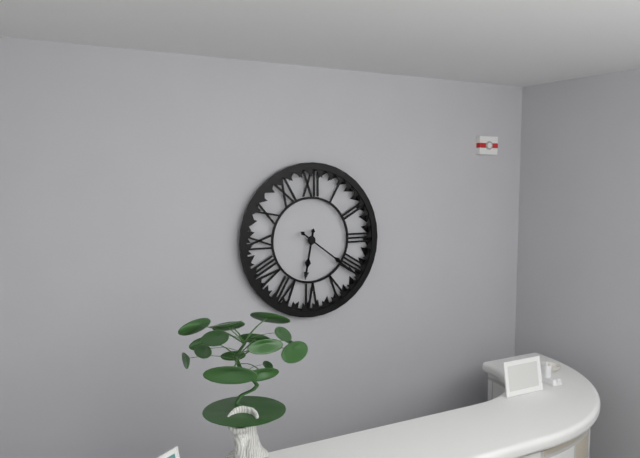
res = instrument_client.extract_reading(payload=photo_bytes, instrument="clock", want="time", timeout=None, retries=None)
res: 6:21
